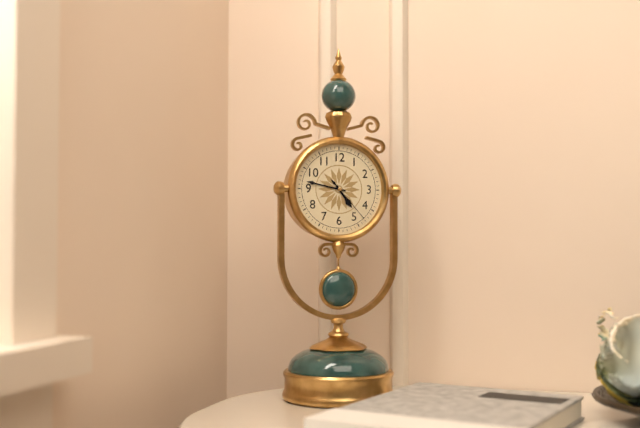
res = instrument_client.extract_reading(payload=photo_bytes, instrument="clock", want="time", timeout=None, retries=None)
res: 4:47
